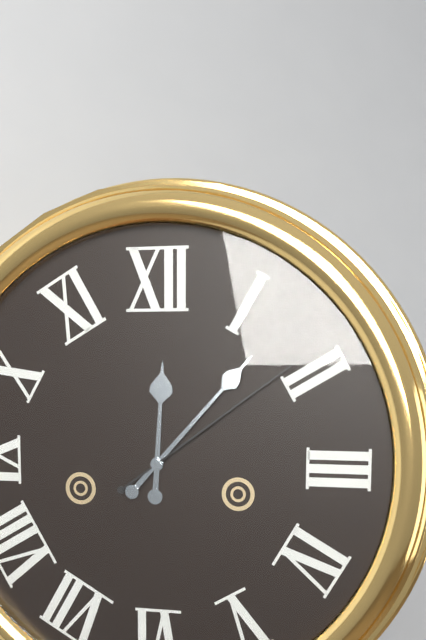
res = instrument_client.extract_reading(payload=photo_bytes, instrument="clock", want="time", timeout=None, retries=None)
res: 12:07:09
